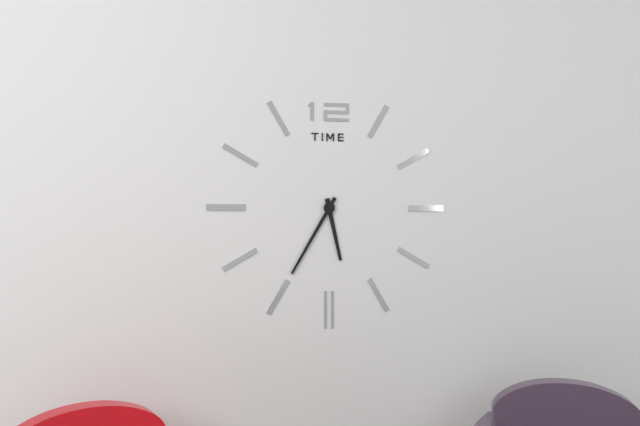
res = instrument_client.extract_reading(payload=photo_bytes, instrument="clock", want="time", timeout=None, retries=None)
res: 5:35
